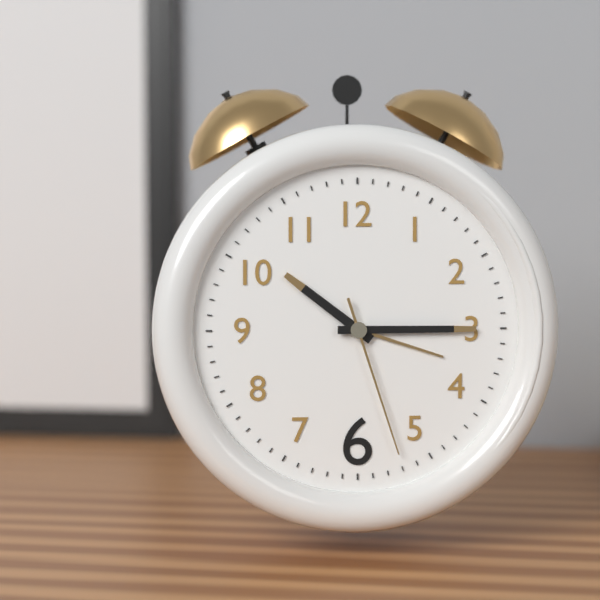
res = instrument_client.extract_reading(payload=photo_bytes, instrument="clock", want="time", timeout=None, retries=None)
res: 10:15:27
